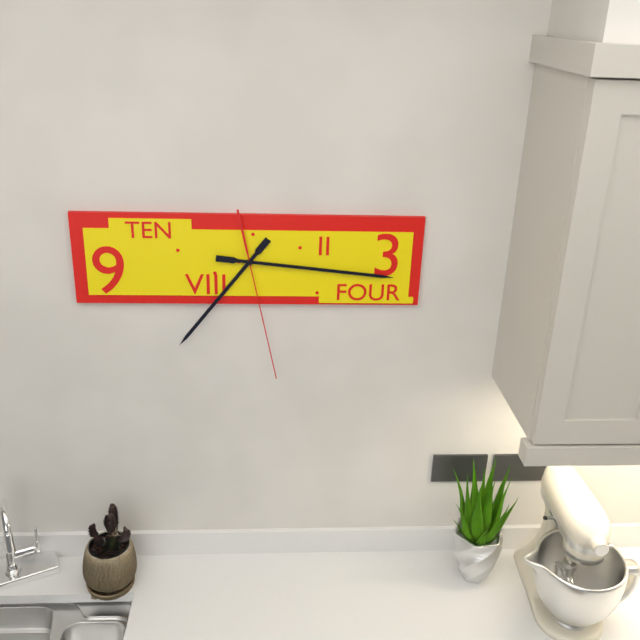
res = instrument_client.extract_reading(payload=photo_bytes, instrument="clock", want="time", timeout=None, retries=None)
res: 7:16:28
